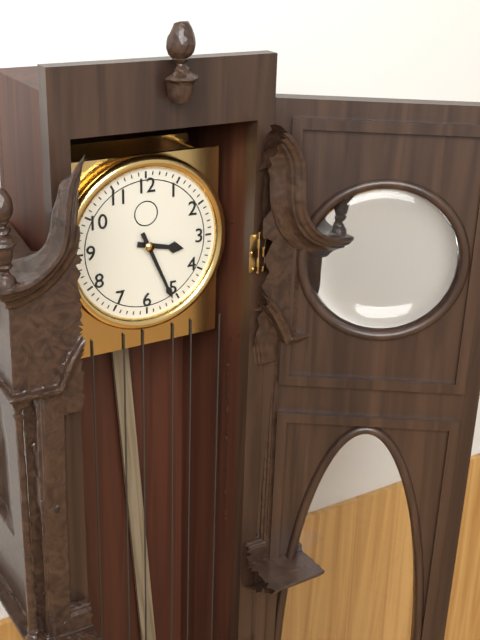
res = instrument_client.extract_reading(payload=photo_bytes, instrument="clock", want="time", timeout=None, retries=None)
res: 3:26
